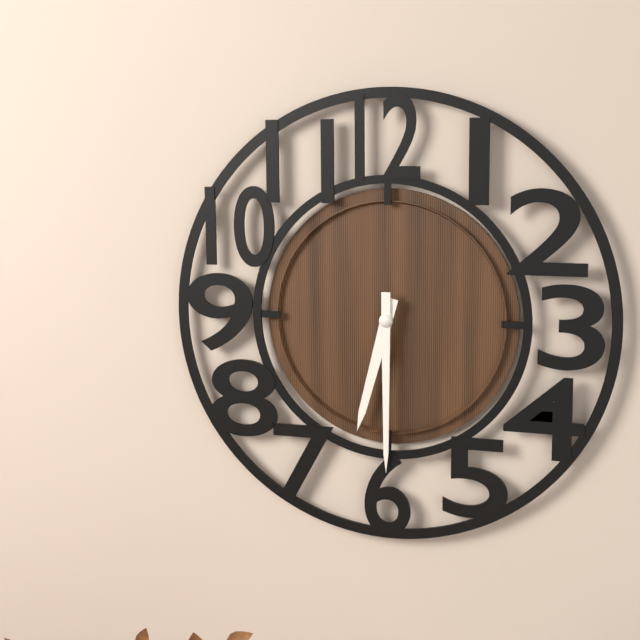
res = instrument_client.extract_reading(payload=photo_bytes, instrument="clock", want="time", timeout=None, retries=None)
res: 6:30
